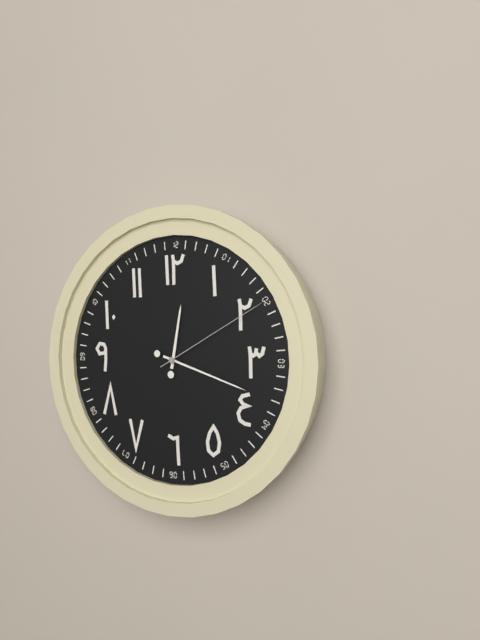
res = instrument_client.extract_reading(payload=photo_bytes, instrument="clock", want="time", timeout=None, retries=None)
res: 12:18:10
